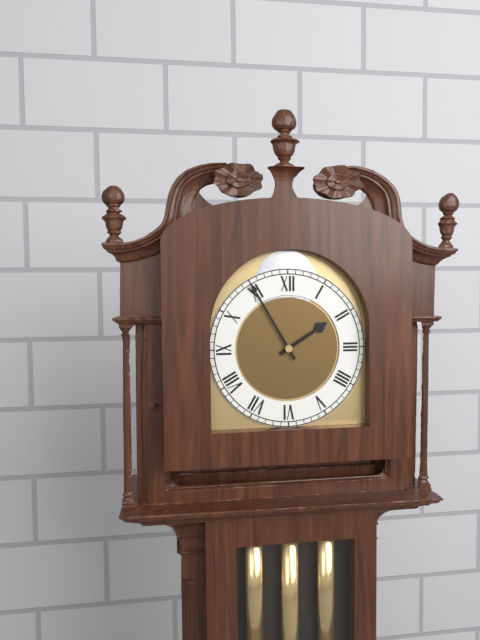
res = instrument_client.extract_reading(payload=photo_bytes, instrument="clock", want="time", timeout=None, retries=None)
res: 1:55
